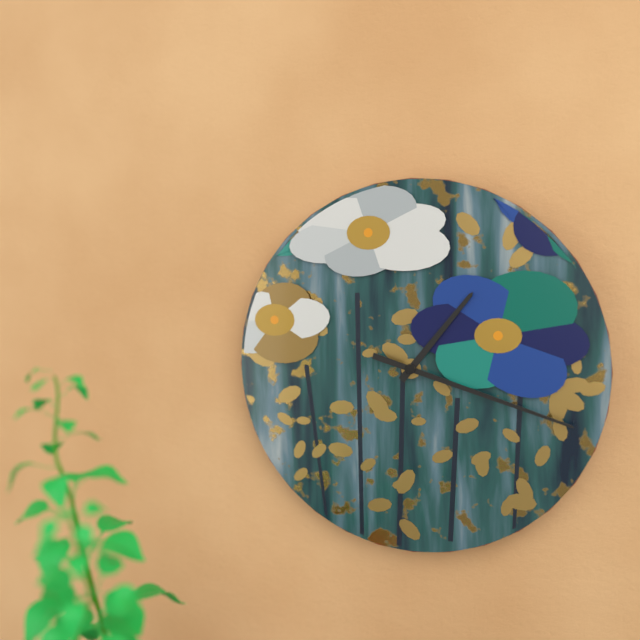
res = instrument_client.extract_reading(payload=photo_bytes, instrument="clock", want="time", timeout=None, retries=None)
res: 1:18
